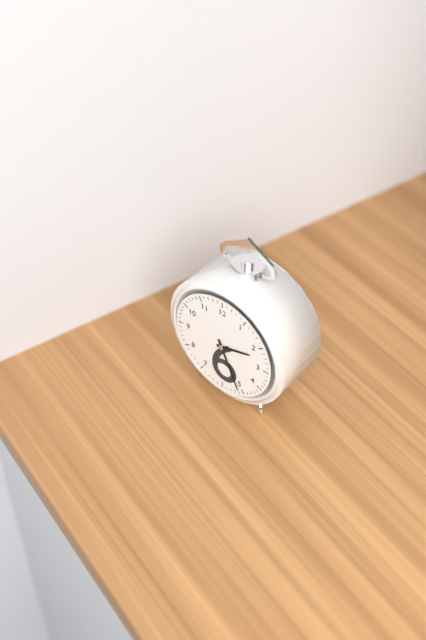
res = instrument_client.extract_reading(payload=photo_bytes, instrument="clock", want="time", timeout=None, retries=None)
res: 2:26
